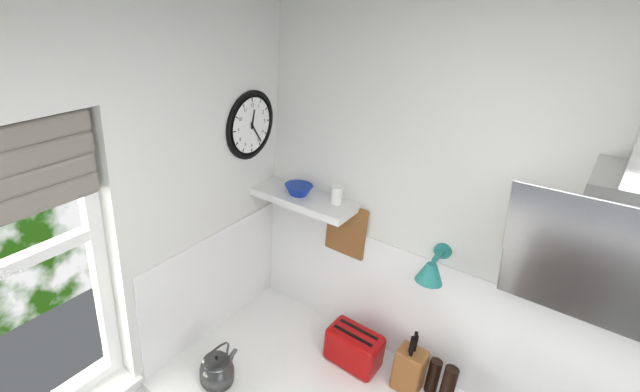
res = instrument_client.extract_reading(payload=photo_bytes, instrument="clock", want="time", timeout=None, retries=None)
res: 12:24
